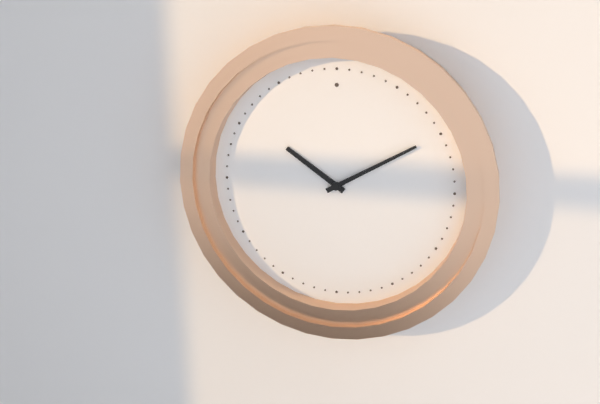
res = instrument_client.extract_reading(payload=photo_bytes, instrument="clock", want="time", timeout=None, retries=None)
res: 10:10
